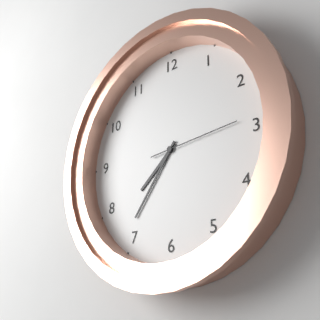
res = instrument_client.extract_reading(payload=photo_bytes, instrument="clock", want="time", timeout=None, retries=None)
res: 7:36:14
